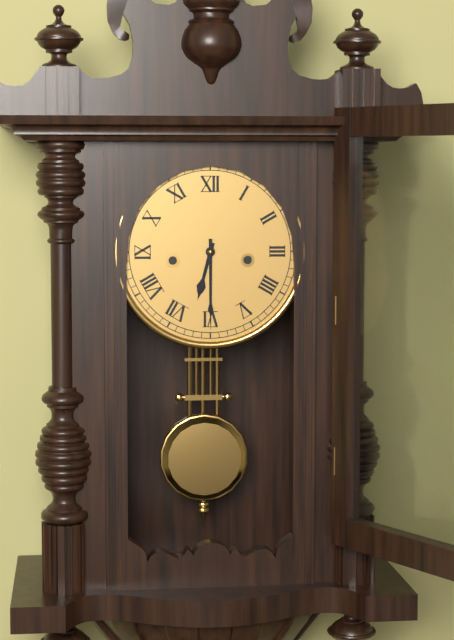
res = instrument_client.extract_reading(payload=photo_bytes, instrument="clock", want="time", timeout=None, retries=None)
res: 6:30
